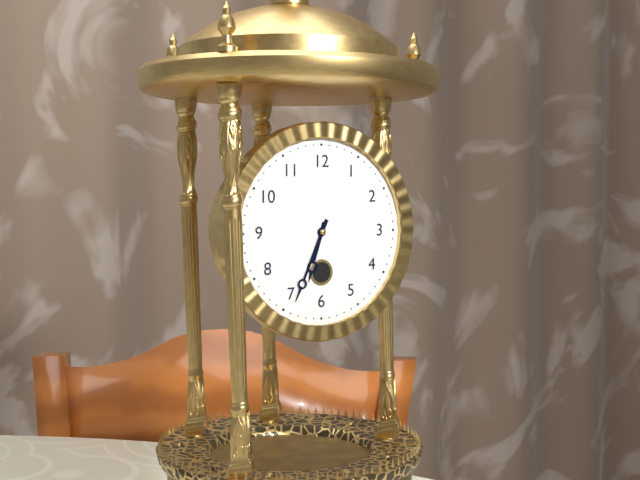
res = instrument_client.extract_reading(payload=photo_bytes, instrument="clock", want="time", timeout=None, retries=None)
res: 6:34
